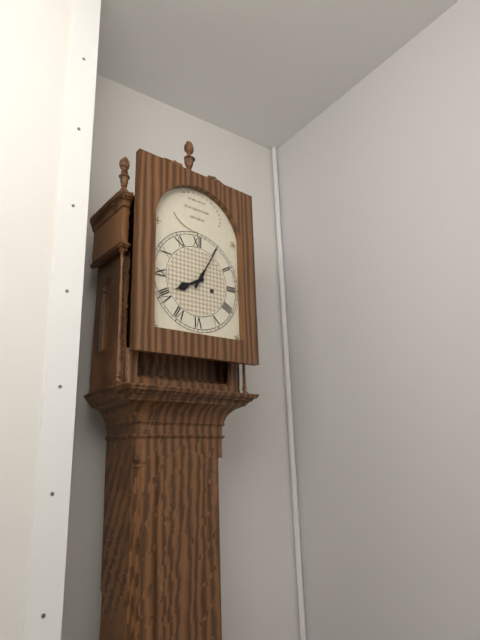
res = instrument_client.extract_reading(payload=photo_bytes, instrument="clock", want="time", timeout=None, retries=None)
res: 8:05
